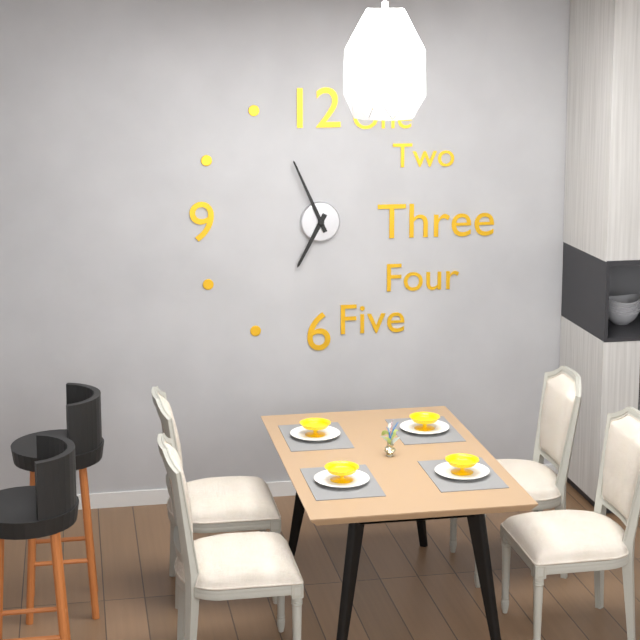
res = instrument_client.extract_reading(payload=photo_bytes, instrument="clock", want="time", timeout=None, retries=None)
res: 6:56
